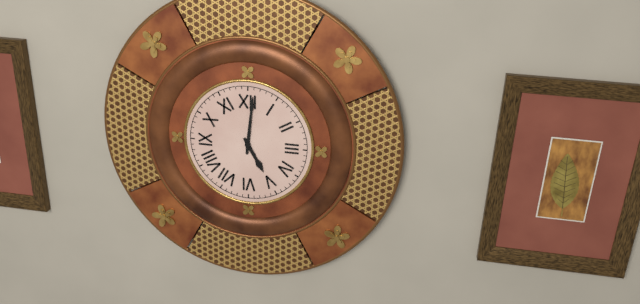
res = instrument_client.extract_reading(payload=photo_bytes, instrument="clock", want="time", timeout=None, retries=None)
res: 5:01
